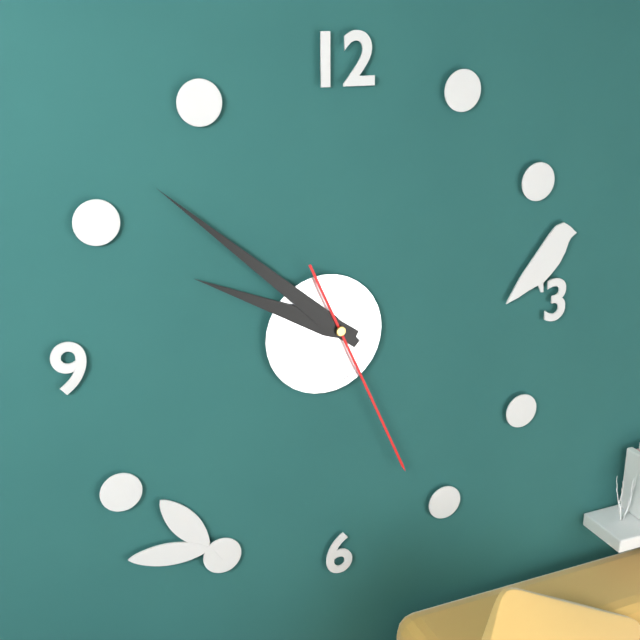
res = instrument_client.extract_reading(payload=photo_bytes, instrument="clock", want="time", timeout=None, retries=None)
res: 9:52:26
